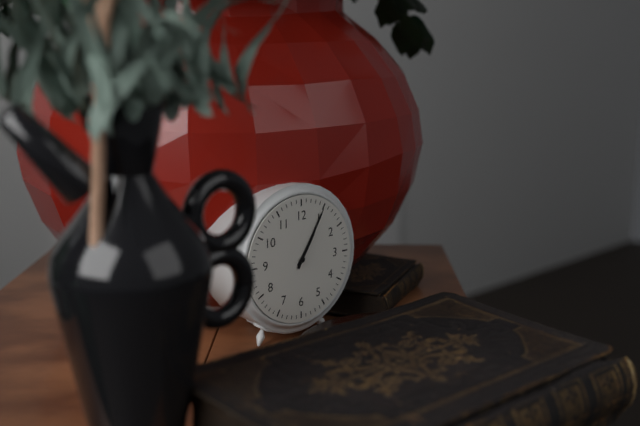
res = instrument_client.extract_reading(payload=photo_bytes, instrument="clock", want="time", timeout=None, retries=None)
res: 1:05
